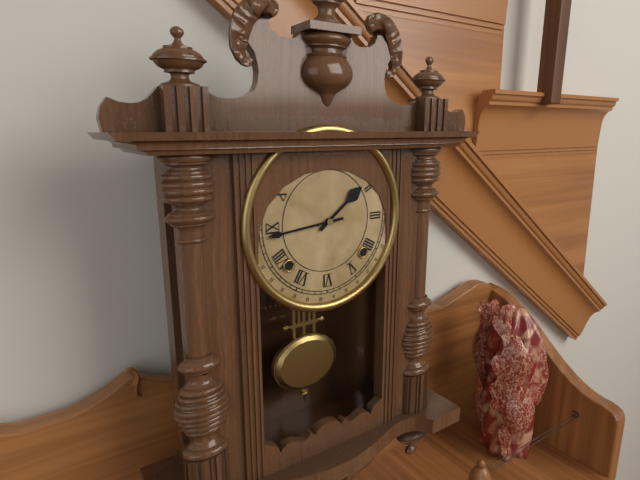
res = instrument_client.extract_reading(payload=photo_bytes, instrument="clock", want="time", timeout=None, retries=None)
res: 1:44
